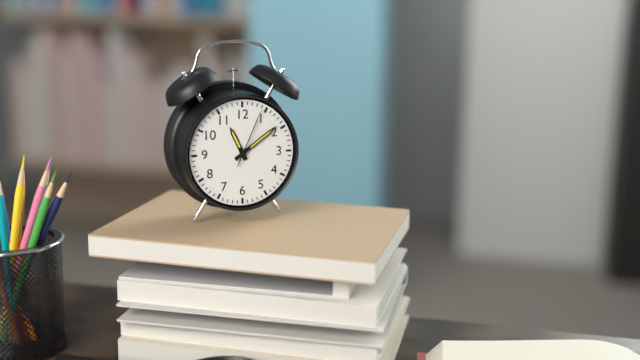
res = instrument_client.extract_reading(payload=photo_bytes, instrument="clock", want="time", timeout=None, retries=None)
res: 11:09:04
